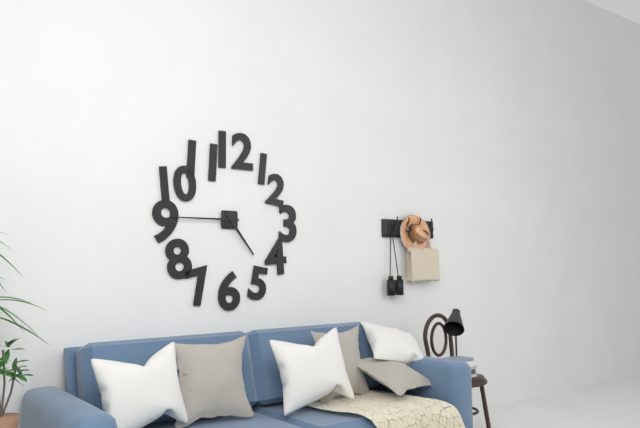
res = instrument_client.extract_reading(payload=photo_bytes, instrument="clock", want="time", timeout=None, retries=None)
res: 4:45
